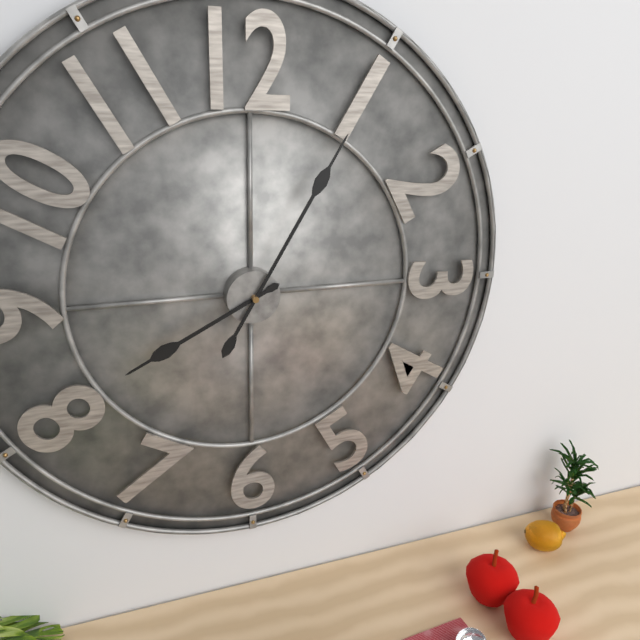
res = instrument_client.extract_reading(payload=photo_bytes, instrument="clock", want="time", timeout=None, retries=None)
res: 8:05
